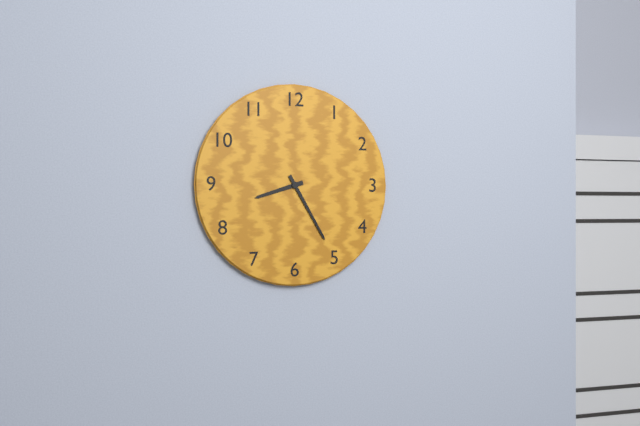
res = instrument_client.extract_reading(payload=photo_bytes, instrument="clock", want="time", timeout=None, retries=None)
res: 8:25
